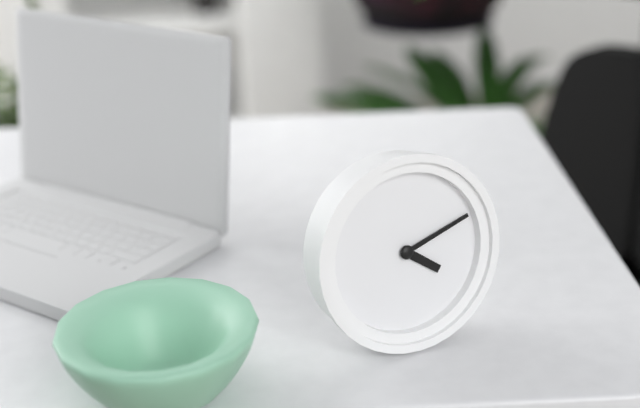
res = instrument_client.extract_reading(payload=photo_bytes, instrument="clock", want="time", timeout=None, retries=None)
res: 4:12
